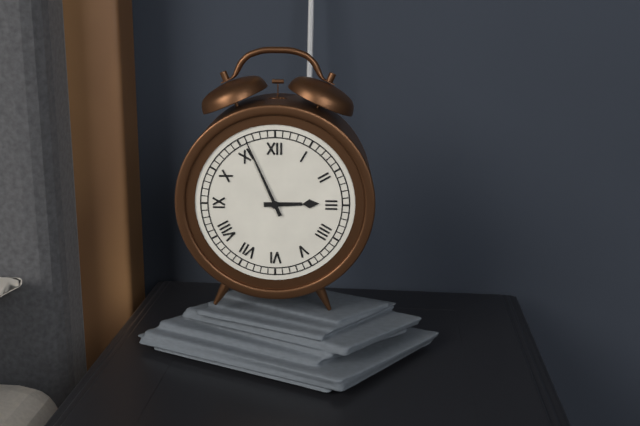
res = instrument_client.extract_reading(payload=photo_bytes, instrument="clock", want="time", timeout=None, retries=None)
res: 2:56
